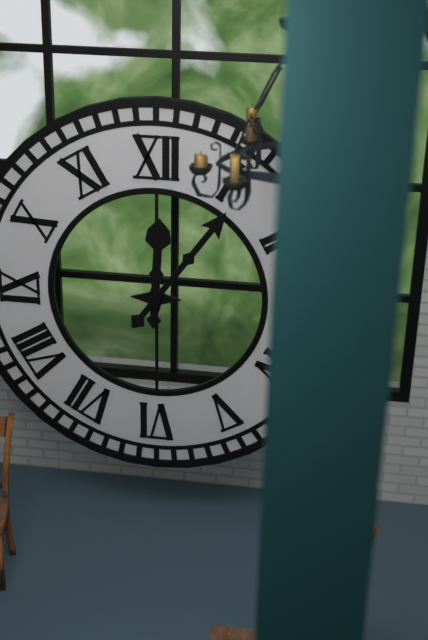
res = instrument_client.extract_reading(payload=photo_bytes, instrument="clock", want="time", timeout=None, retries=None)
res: 12:06
